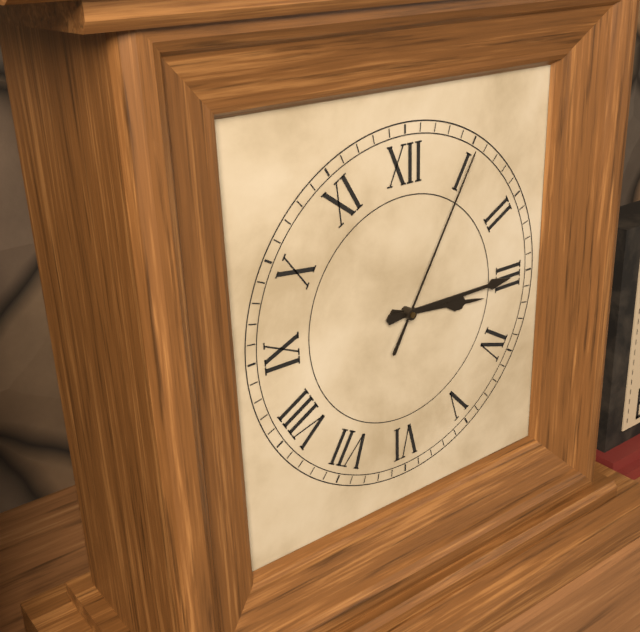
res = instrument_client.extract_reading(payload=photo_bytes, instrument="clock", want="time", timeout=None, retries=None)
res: 3:15:05
